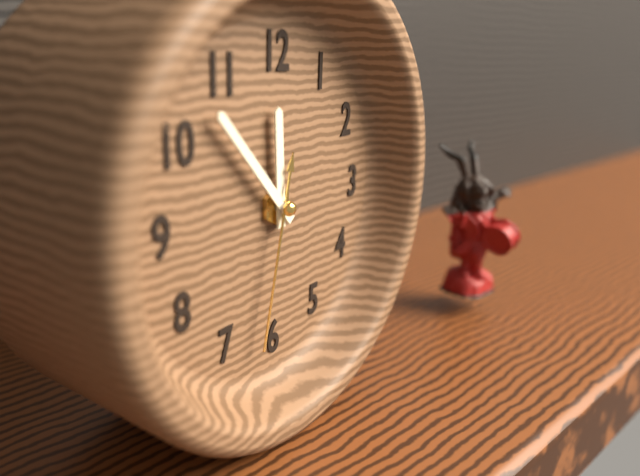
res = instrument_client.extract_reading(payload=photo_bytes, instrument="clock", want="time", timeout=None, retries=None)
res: 11:53:32
